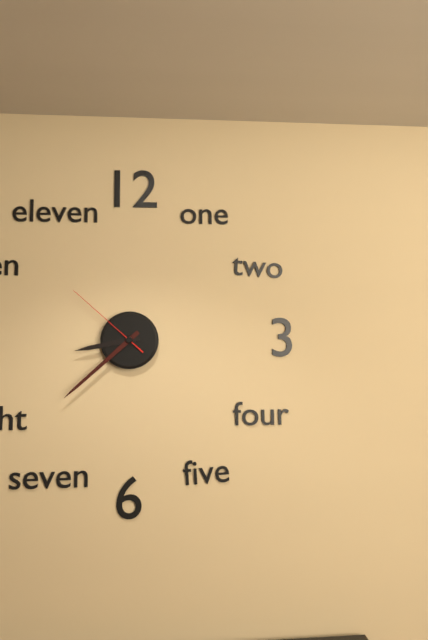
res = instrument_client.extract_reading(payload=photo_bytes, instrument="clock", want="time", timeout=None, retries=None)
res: 8:38:52
